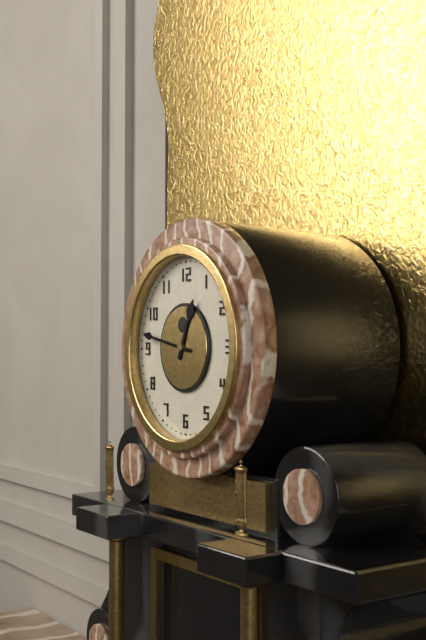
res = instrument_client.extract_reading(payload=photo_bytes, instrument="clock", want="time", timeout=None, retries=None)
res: 12:47
